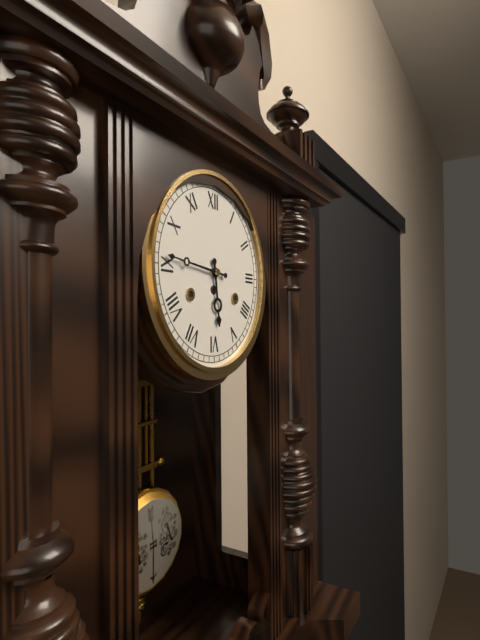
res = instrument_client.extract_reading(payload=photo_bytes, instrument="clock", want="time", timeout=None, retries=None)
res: 5:46
